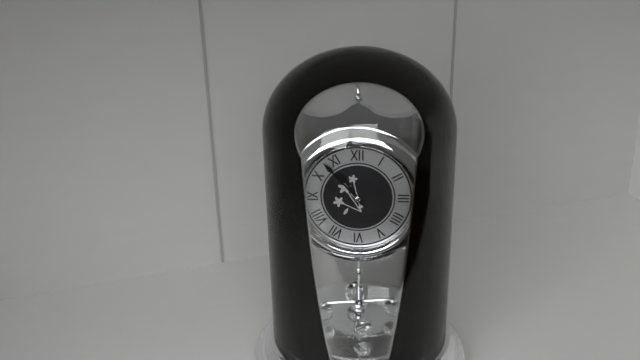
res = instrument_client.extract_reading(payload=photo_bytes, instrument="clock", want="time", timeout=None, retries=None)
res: 10:53
